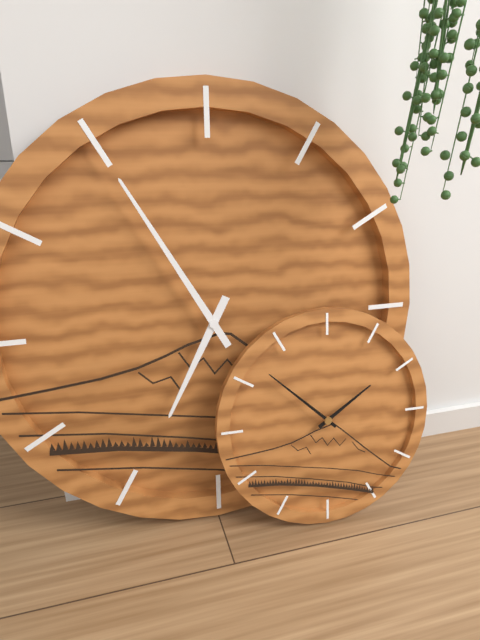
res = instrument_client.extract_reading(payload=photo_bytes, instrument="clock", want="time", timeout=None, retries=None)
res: 6:55
